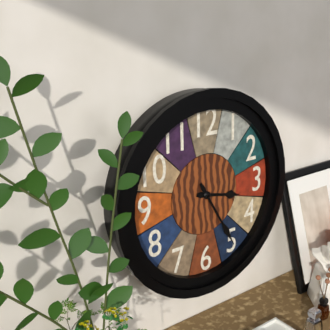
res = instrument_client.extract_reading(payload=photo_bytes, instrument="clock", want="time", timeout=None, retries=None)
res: 3:25
